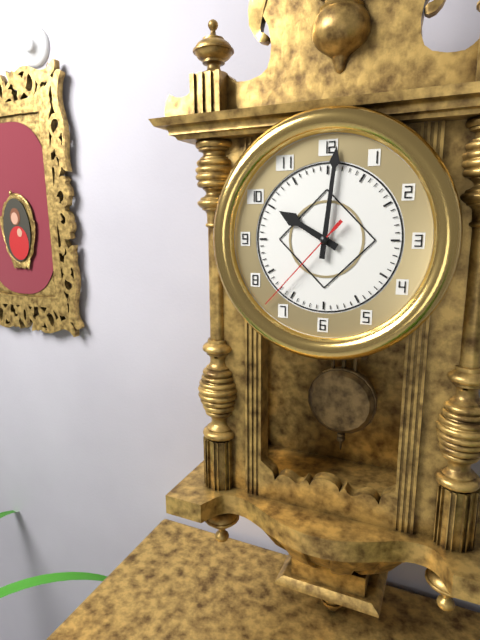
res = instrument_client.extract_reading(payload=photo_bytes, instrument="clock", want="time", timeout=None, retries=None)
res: 10:01:37
